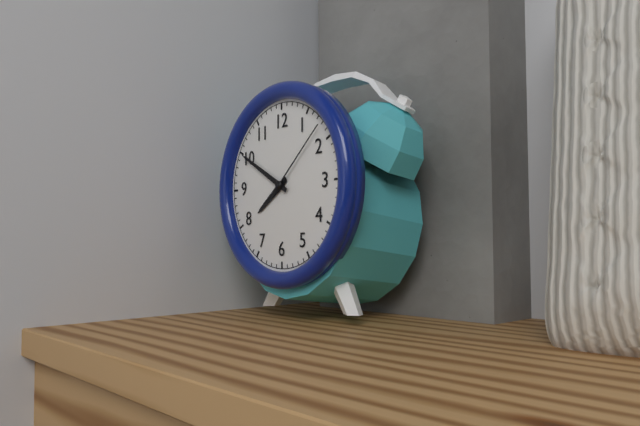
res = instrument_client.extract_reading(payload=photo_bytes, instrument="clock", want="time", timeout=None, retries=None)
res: 7:50:08
